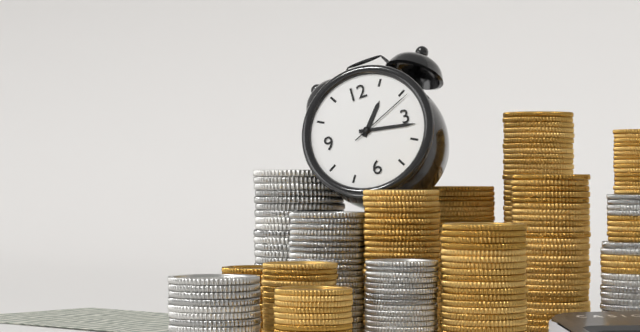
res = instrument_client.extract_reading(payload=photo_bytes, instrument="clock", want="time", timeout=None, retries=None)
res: 1:17:11
